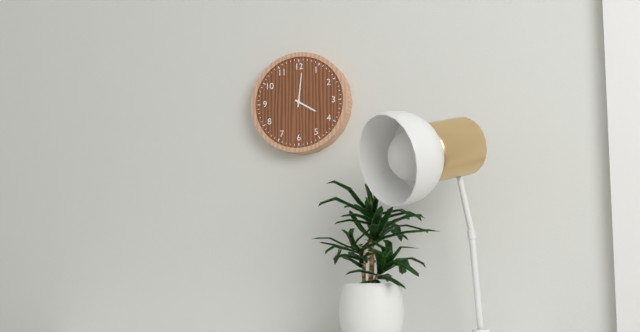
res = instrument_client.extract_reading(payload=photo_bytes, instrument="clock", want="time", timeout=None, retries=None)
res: 4:01
